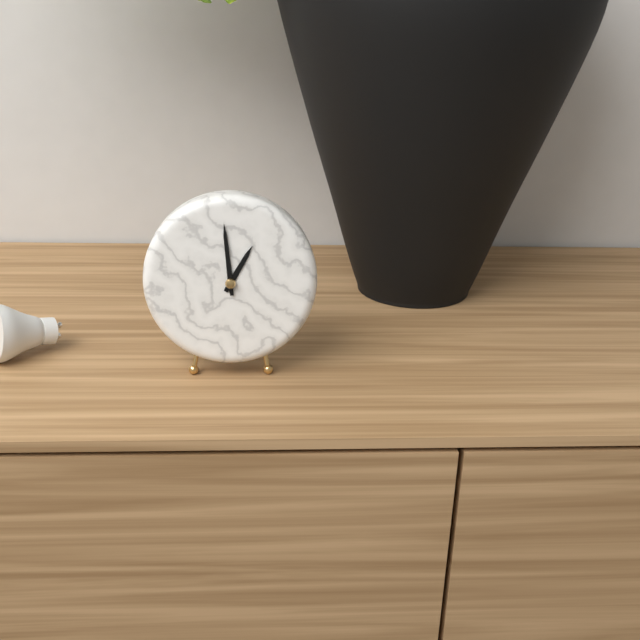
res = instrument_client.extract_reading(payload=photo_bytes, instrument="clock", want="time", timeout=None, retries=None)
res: 12:59
